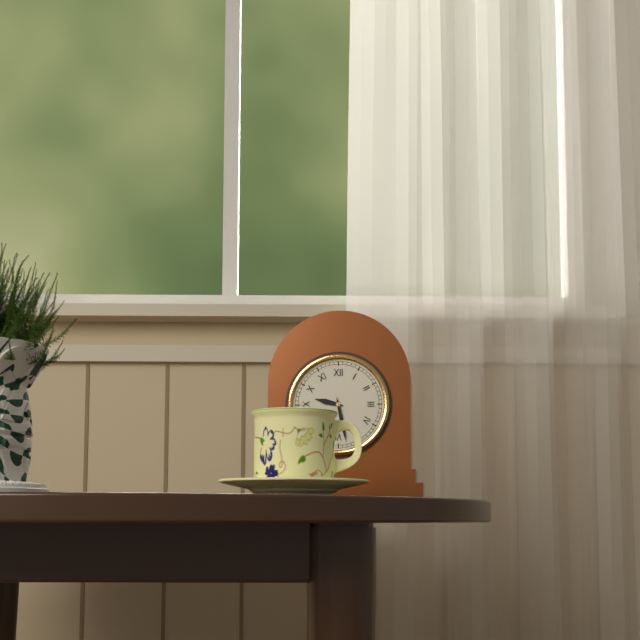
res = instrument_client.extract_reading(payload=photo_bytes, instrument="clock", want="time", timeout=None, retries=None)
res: 9:28
